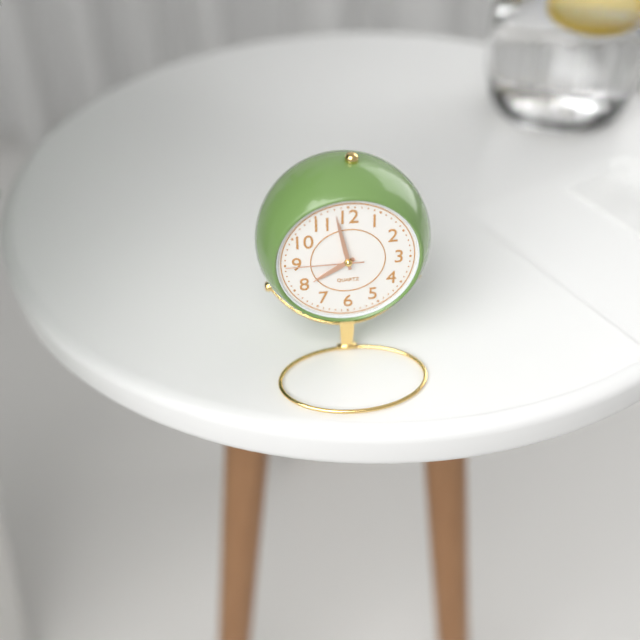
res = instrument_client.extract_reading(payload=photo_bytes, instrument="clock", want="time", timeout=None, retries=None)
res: 7:58:45
